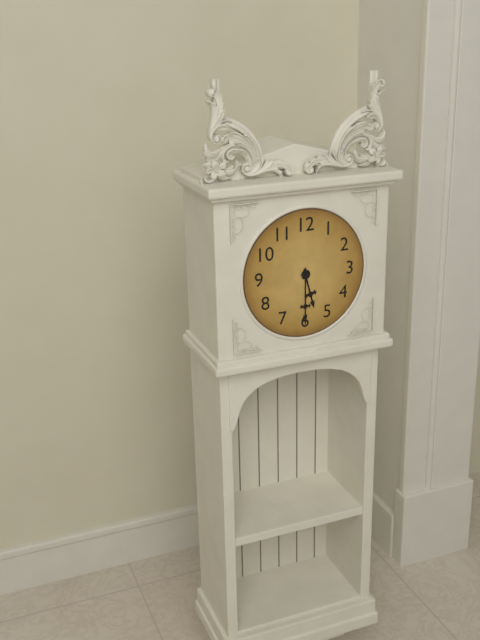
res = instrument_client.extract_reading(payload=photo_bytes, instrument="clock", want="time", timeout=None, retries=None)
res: 5:30
